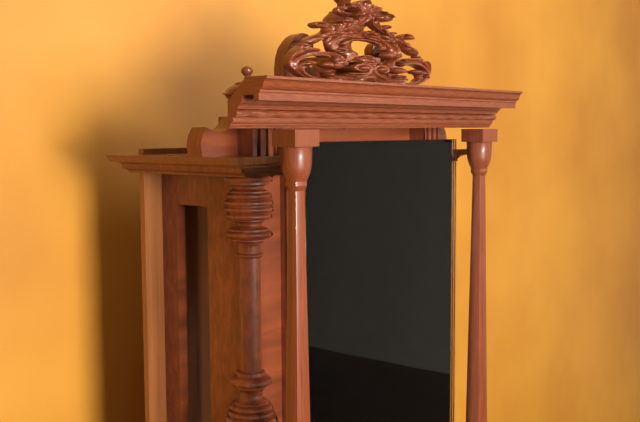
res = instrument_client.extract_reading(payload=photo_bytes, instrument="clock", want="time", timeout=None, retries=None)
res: 4:59
